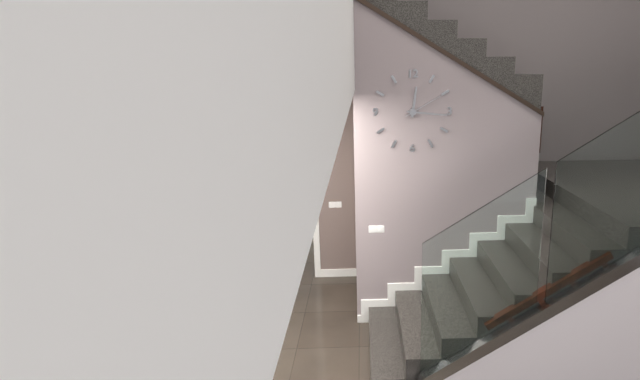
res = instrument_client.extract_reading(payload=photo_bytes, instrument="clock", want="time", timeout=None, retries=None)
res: 12:16
